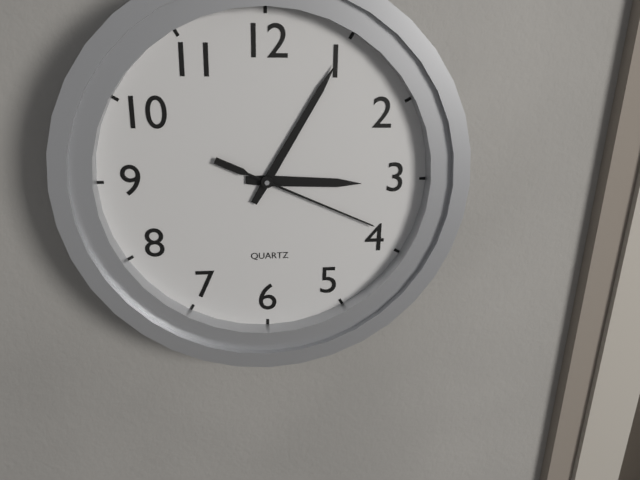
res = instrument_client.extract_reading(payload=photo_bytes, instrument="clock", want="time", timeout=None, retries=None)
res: 3:05:19
